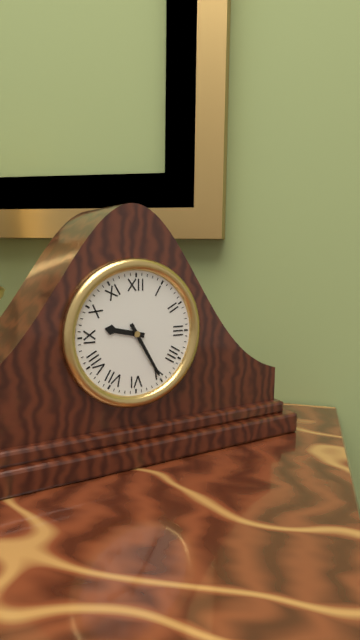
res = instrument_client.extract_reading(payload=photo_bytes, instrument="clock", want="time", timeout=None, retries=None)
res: 9:25
